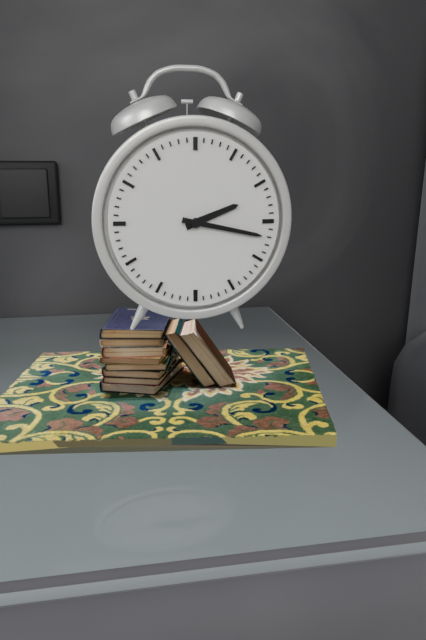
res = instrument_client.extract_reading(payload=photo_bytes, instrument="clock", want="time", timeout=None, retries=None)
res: 2:17
